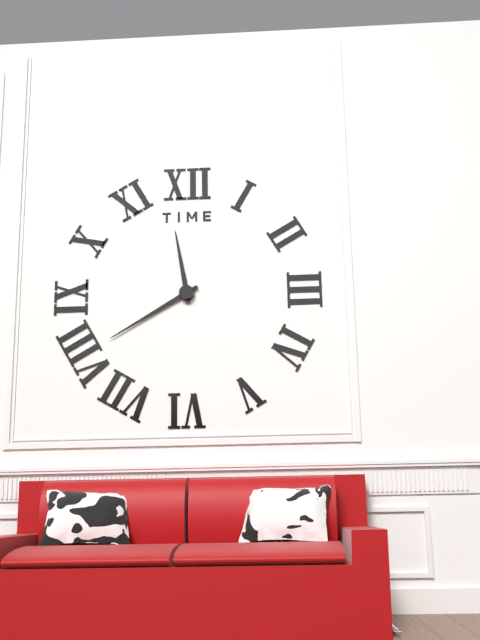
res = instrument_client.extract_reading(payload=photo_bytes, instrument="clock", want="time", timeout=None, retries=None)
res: 11:40
